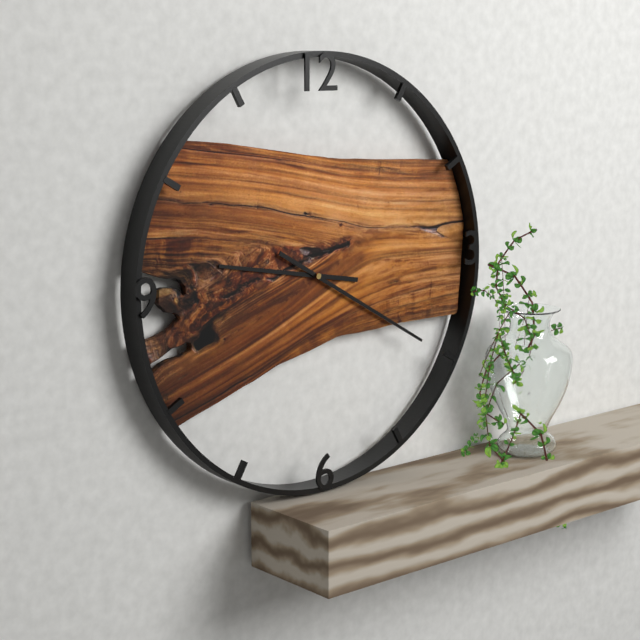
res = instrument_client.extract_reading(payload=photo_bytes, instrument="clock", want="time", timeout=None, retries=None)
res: 9:20
